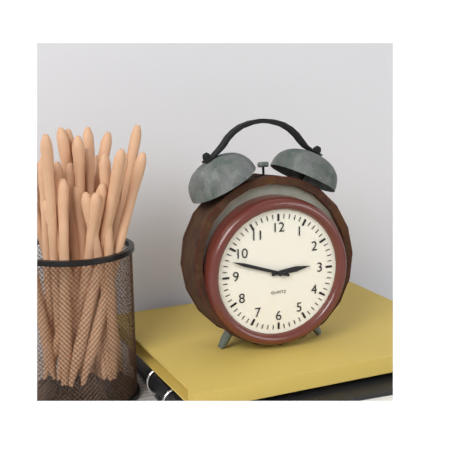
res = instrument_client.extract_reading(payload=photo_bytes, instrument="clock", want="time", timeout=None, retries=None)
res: 2:48
